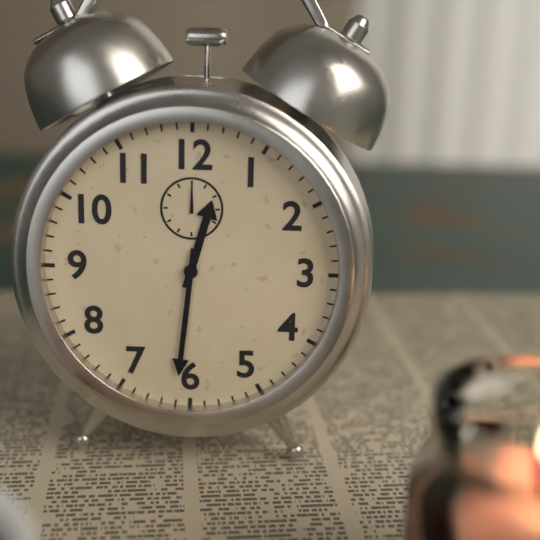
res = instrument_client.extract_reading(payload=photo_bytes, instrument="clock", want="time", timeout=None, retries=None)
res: 12:31
